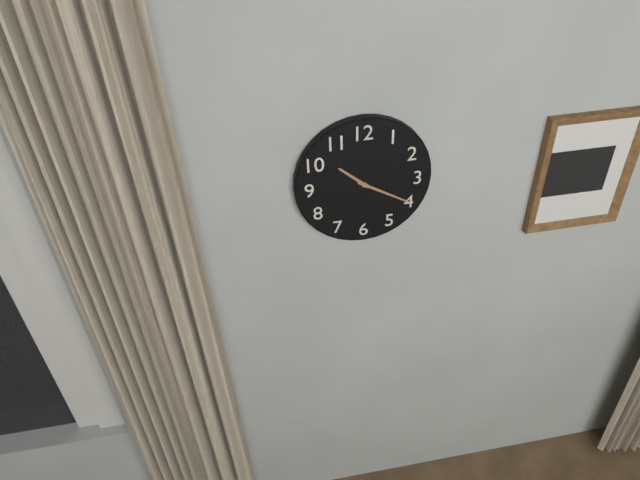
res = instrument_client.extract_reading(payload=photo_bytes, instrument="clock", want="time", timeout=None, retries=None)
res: 10:20
